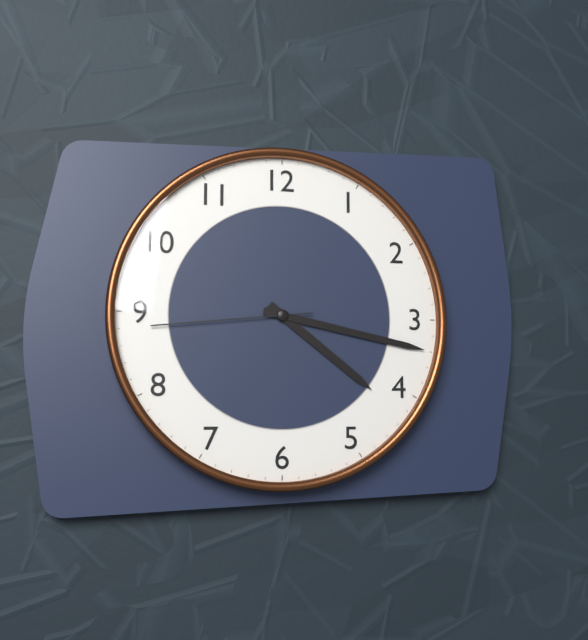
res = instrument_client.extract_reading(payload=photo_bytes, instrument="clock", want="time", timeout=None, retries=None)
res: 4:17:44
